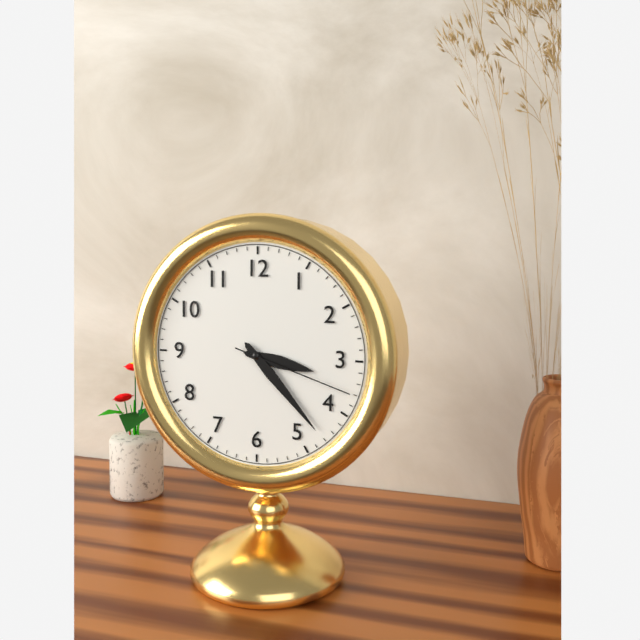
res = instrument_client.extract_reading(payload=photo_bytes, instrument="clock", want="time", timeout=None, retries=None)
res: 3:23:18
